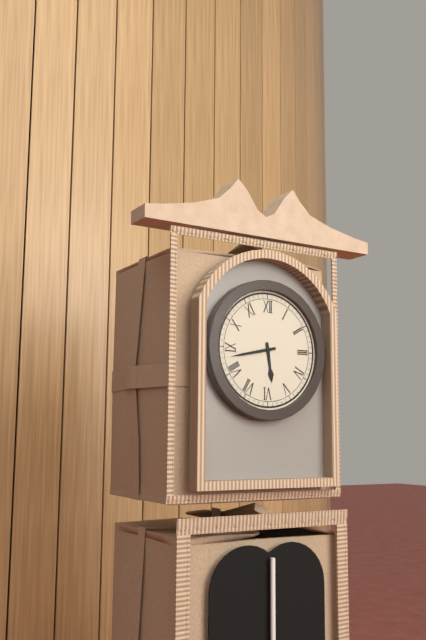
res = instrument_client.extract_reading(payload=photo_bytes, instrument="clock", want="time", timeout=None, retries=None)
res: 5:43
